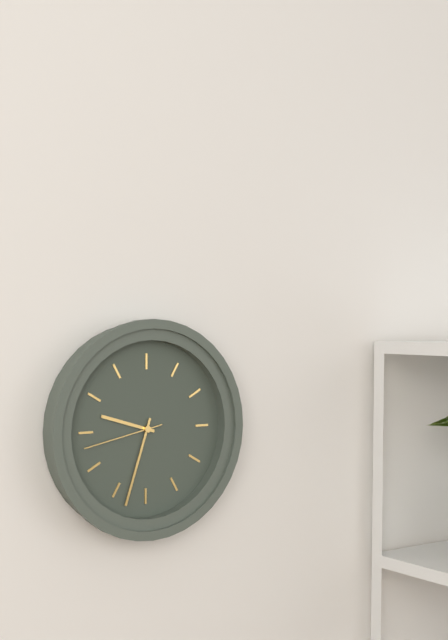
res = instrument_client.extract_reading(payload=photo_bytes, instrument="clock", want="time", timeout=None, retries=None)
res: 9:33:43
